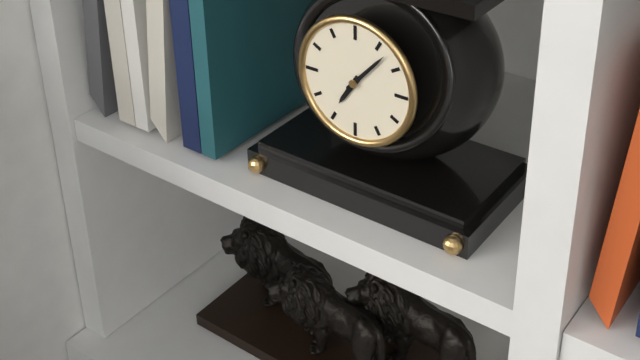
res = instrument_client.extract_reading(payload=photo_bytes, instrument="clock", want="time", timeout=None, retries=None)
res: 7:07
